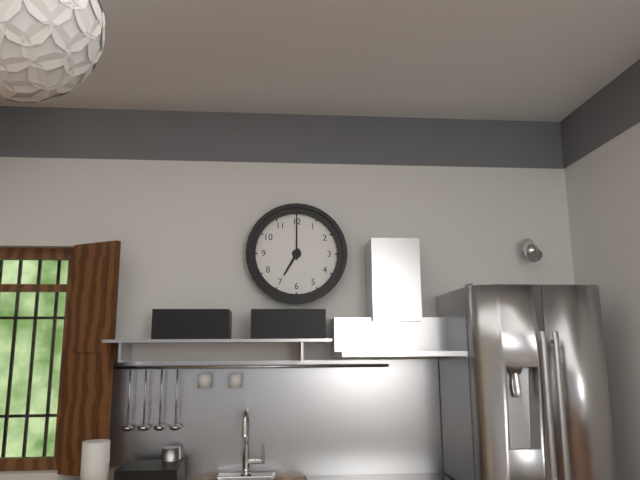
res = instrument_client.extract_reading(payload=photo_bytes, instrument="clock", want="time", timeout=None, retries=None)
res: 7:00
